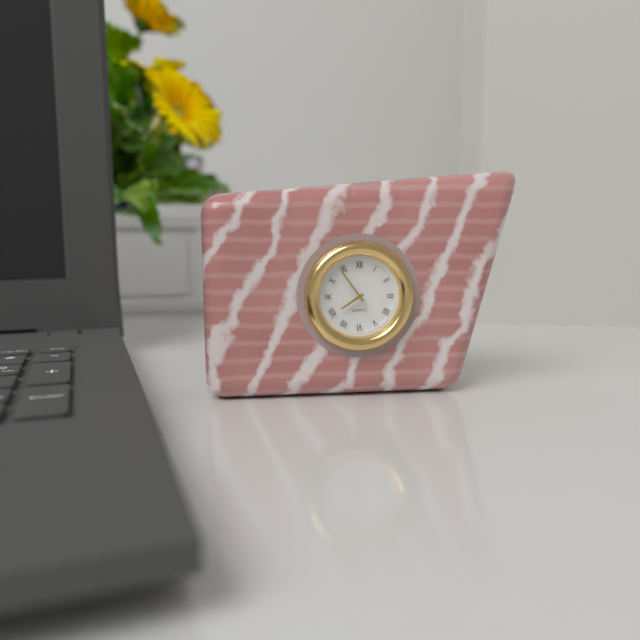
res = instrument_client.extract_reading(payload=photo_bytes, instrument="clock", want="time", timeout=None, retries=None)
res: 7:54
